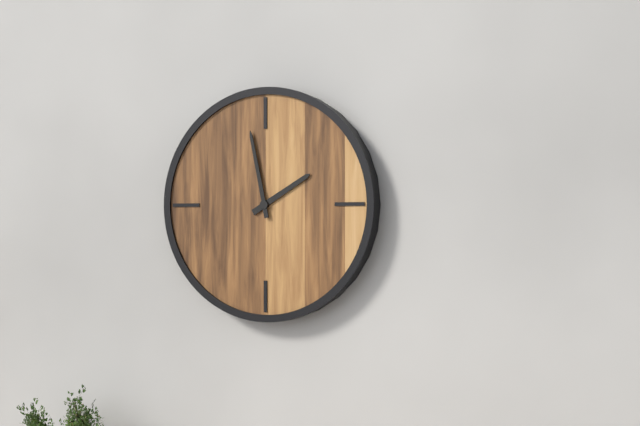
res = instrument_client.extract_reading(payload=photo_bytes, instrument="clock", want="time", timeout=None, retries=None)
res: 1:58
